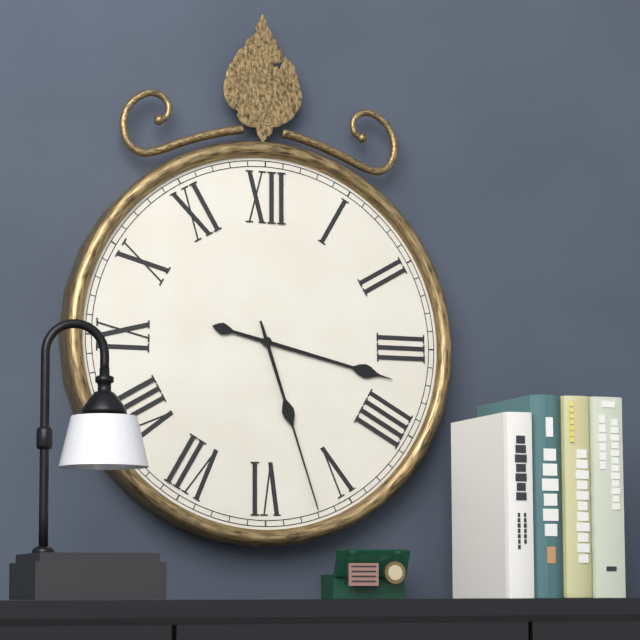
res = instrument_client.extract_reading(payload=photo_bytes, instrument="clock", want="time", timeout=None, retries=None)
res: 3:27
